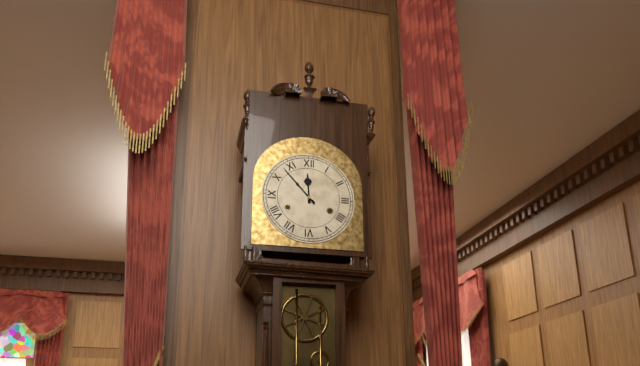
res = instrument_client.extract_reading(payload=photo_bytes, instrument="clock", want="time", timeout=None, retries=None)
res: 11:53
